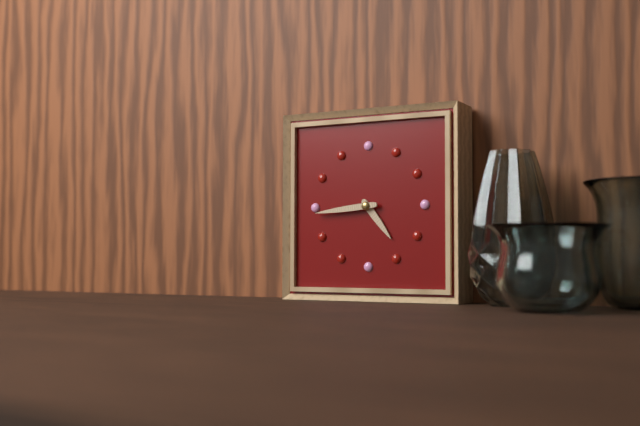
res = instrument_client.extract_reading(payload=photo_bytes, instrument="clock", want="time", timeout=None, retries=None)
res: 4:44
